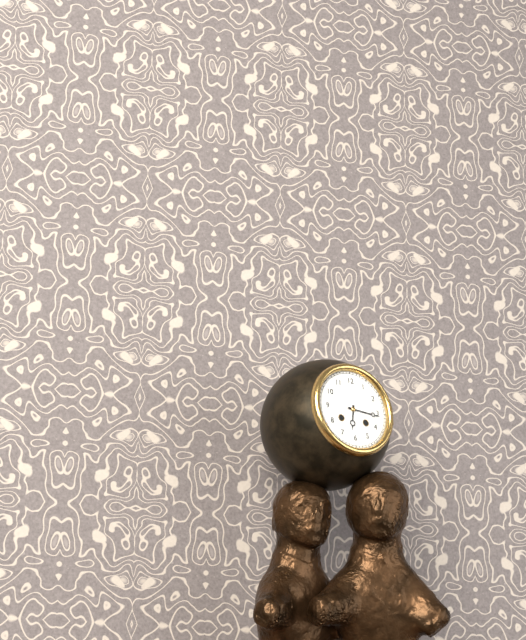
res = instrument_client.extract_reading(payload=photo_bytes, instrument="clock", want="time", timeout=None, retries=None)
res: 6:16
